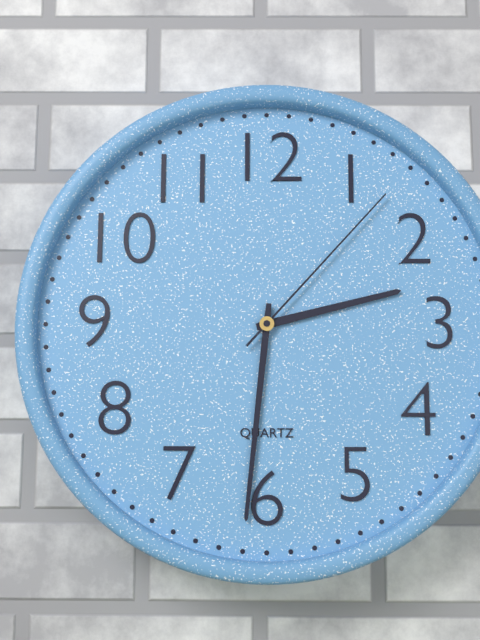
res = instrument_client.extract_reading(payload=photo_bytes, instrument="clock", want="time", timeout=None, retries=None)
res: 2:31:07
